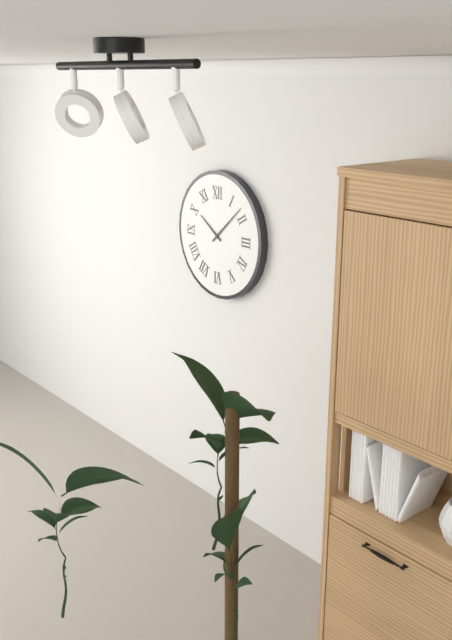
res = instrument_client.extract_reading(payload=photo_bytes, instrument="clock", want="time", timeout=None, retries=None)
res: 10:08
